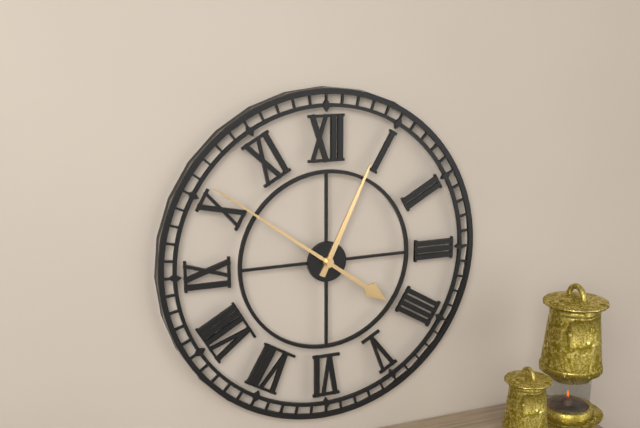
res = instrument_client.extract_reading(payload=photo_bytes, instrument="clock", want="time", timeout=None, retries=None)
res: 12:51
